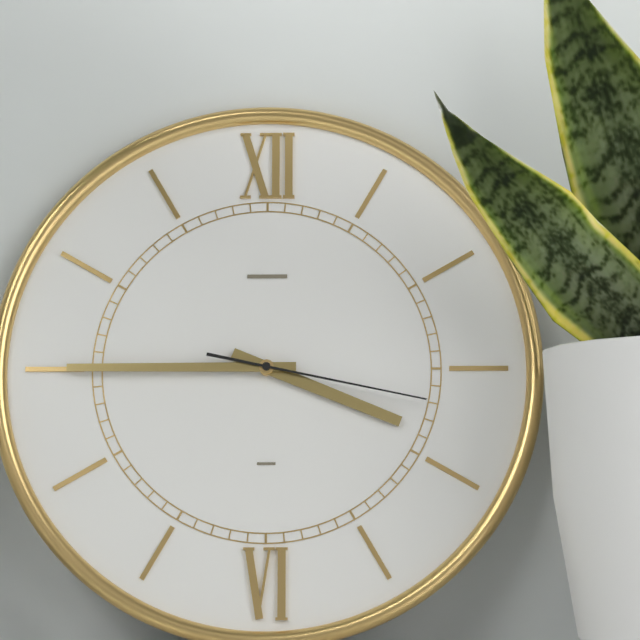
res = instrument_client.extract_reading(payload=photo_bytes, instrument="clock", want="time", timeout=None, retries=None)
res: 3:45:17
